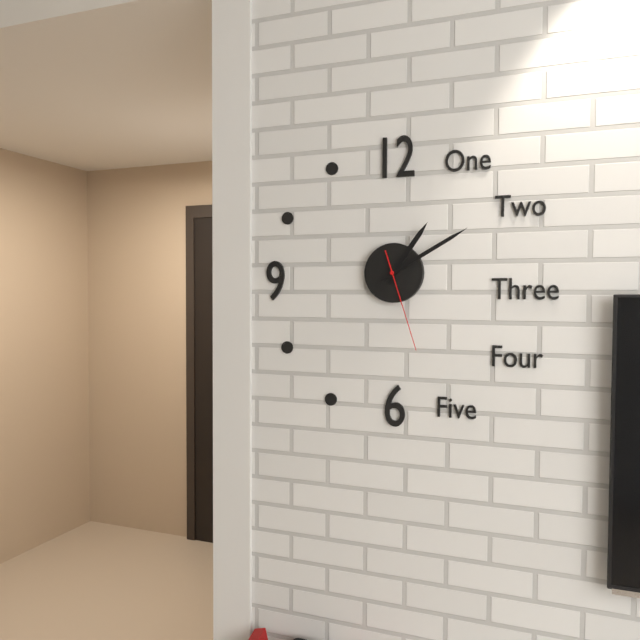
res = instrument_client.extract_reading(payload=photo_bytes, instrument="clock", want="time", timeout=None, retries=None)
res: 1:10:27
